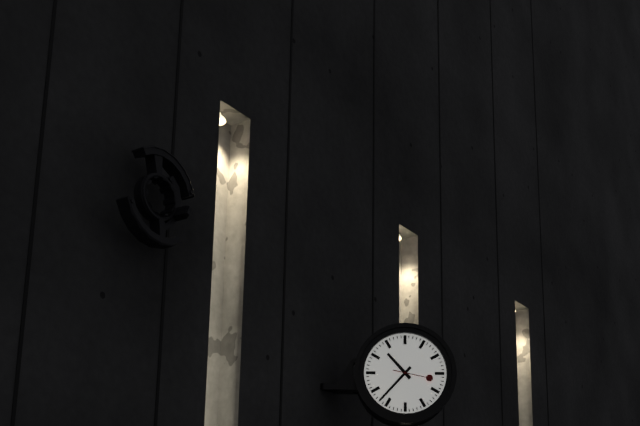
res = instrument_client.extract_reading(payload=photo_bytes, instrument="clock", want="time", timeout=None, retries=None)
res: 10:37
